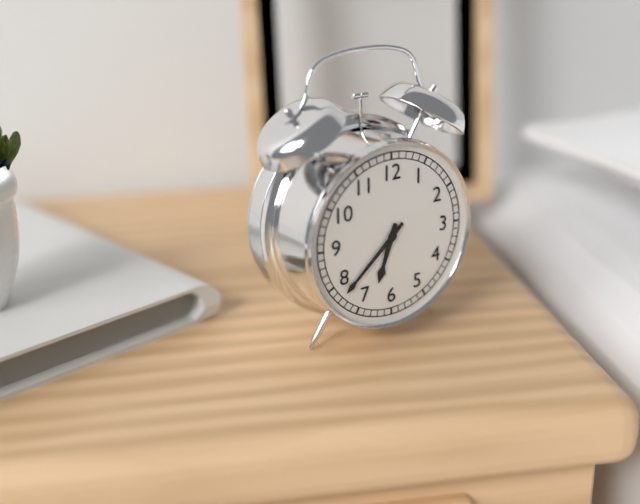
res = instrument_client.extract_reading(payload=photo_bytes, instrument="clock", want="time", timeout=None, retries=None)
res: 6:38
